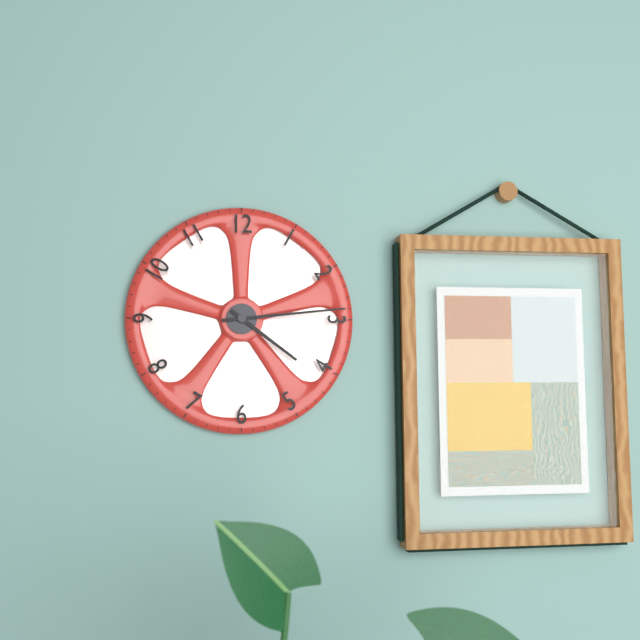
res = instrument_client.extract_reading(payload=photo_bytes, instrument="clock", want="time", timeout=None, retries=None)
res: 4:14
